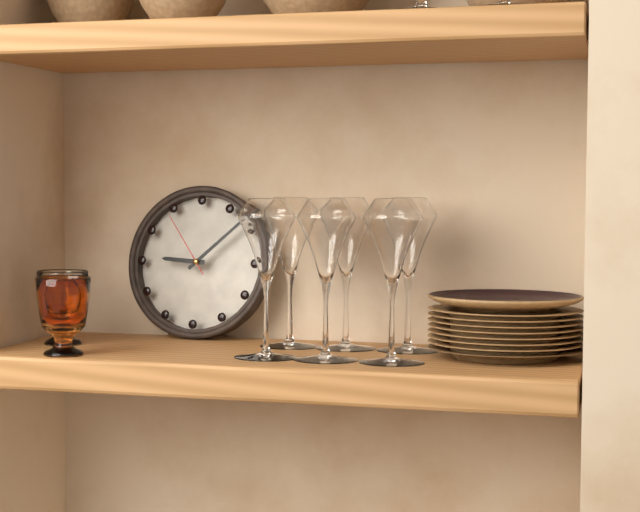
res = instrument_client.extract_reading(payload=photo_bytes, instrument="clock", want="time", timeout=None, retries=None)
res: 9:08:54
